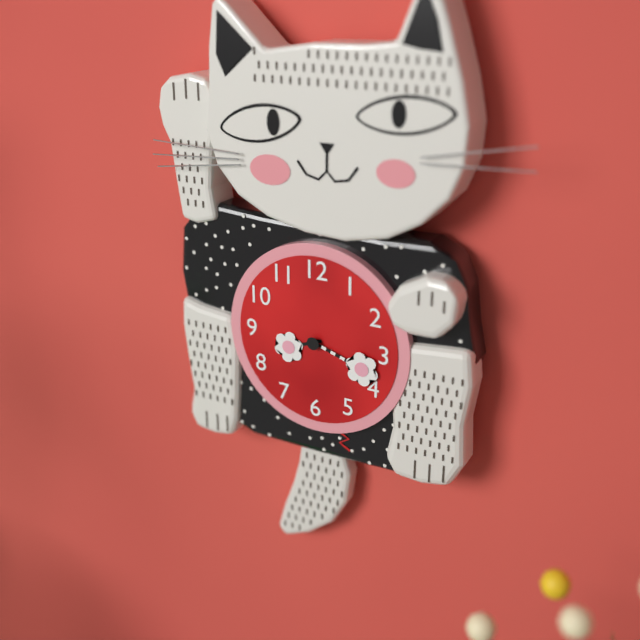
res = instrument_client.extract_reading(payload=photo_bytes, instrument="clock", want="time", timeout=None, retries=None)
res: 8:18
